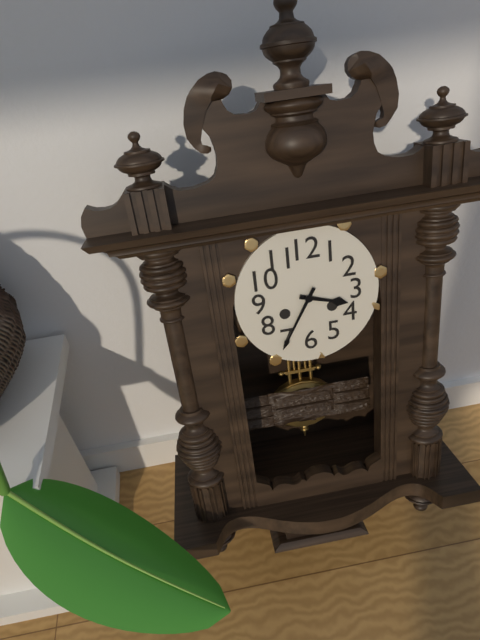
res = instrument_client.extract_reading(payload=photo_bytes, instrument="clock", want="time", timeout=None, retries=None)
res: 3:35
